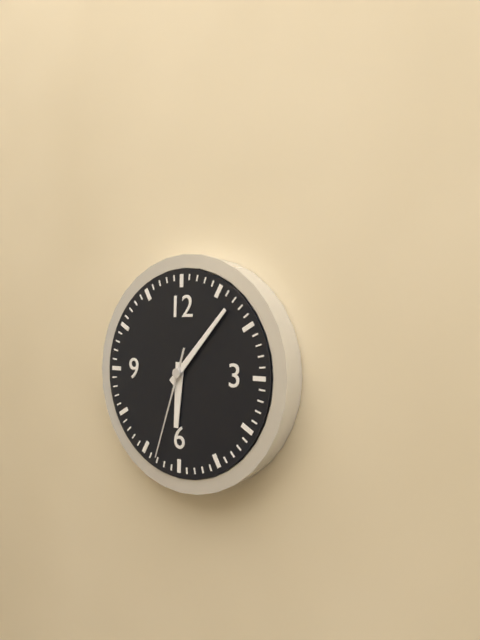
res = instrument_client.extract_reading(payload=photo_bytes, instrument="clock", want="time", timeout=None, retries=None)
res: 6:07:33
